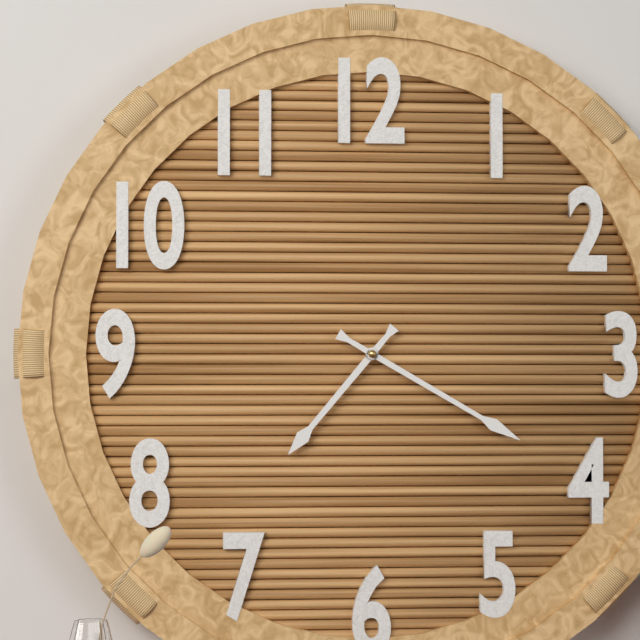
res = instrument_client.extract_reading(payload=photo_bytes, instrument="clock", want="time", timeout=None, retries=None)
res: 7:20
